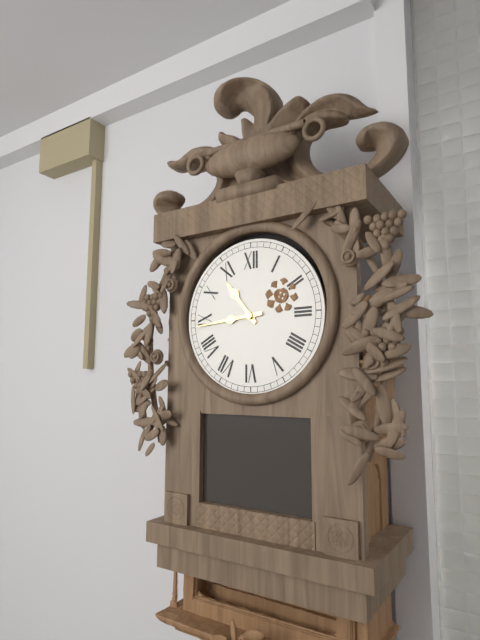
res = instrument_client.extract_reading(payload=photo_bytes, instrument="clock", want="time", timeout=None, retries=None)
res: 10:44
